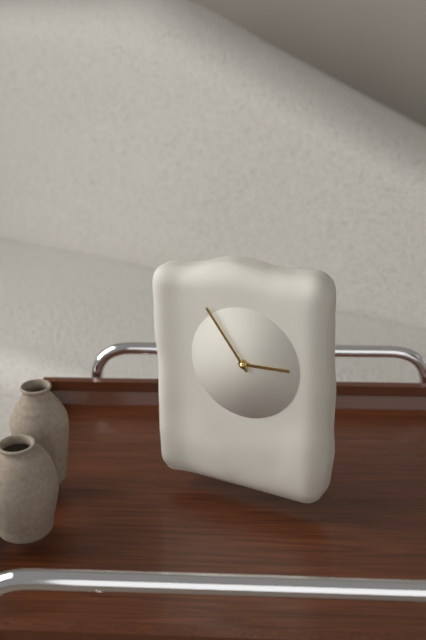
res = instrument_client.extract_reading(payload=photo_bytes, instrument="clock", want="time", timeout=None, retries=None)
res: 2:54
